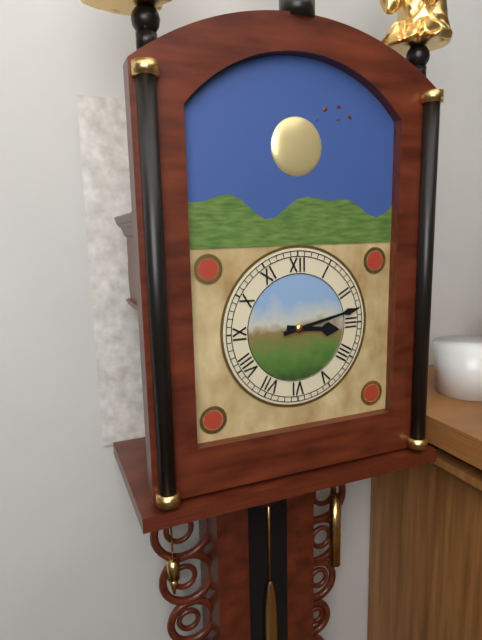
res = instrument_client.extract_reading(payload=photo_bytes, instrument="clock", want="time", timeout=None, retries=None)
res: 3:13
